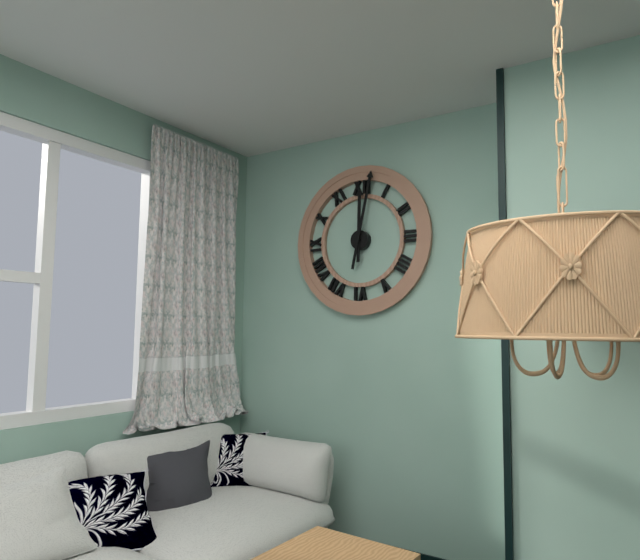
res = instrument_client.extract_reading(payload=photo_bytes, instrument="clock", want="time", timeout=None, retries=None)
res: 12:02
